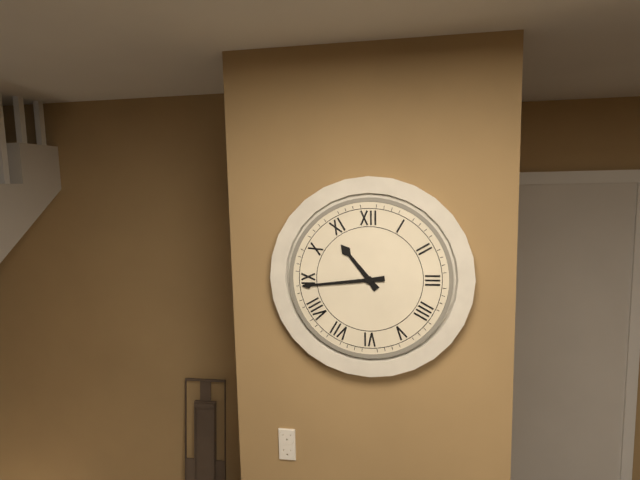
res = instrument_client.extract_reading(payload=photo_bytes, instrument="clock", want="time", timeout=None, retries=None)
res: 10:44
